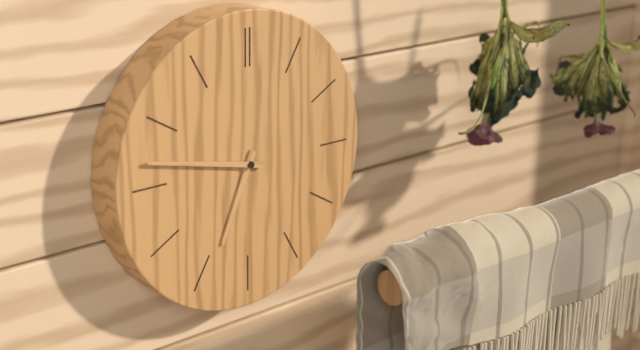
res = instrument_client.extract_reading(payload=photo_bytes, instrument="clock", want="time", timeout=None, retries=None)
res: 6:47
